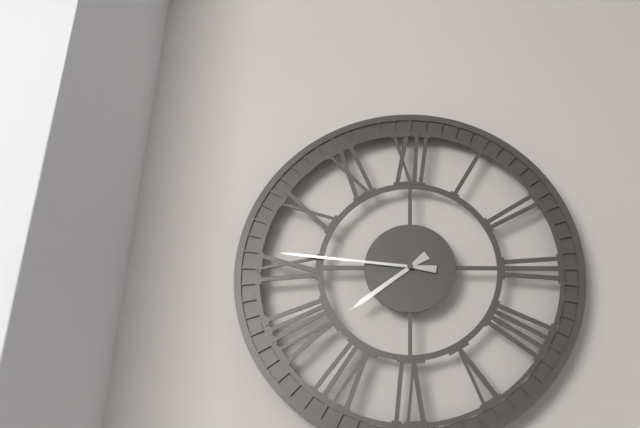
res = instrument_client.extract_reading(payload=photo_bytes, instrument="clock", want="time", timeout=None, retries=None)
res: 7:46
